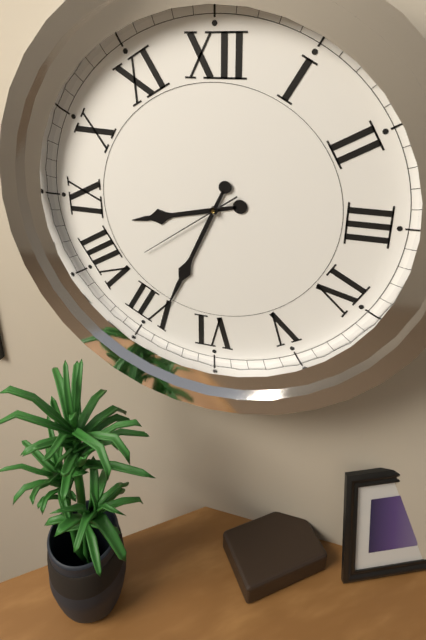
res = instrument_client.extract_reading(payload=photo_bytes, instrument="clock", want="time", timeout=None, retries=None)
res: 8:34:39
